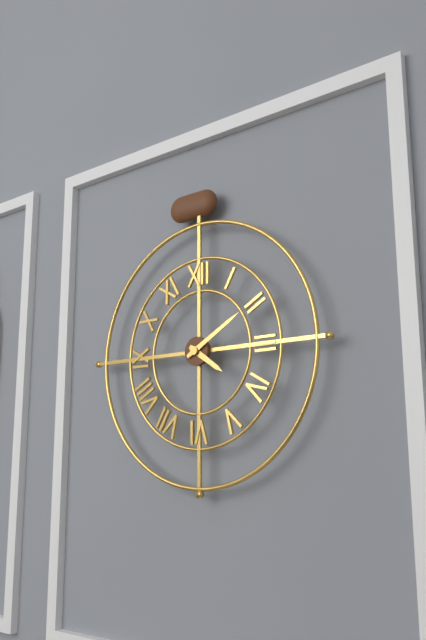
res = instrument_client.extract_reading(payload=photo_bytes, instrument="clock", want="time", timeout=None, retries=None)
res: 4:10
